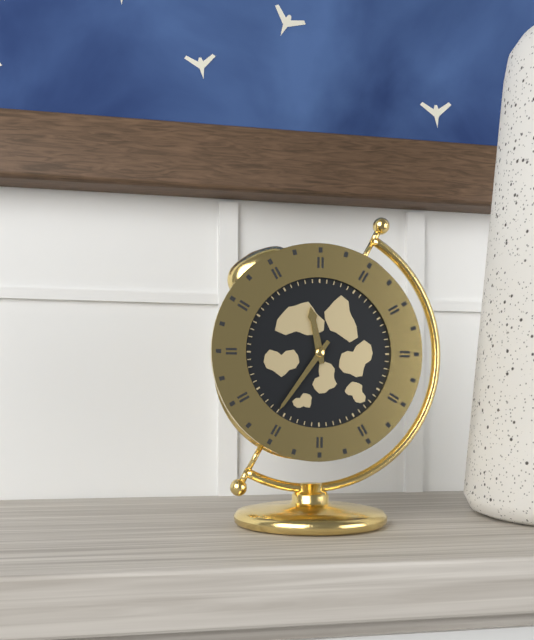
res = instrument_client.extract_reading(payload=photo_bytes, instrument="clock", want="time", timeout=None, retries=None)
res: 11:36
